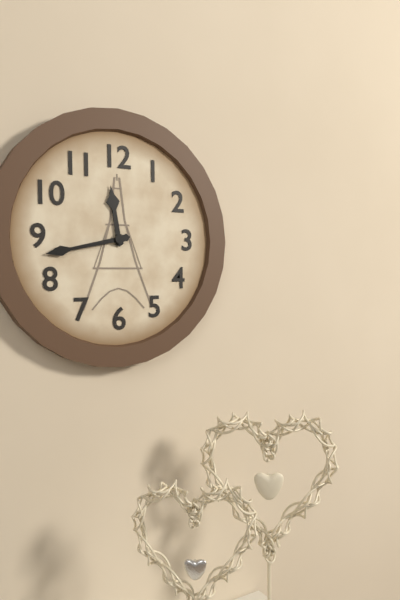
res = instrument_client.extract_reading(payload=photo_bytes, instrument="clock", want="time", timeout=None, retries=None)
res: 11:43
